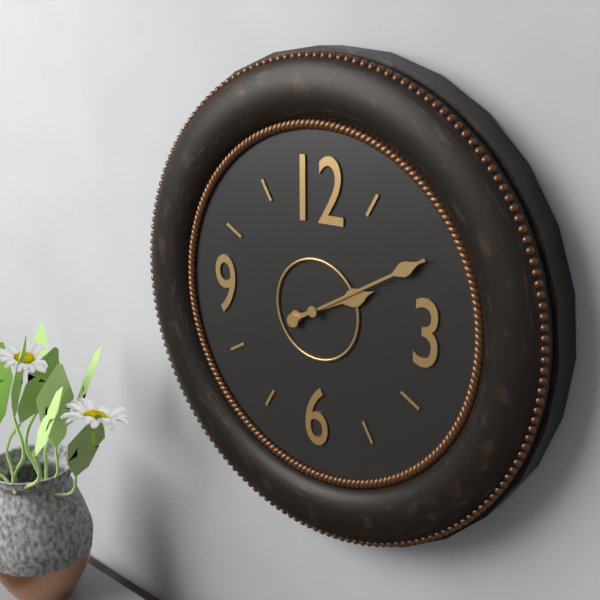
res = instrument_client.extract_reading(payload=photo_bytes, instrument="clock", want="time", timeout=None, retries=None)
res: 2:10
